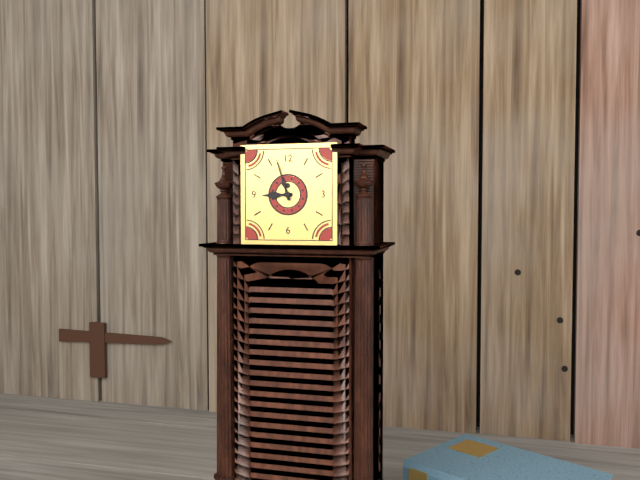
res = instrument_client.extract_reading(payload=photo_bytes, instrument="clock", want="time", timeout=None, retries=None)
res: 8:57
